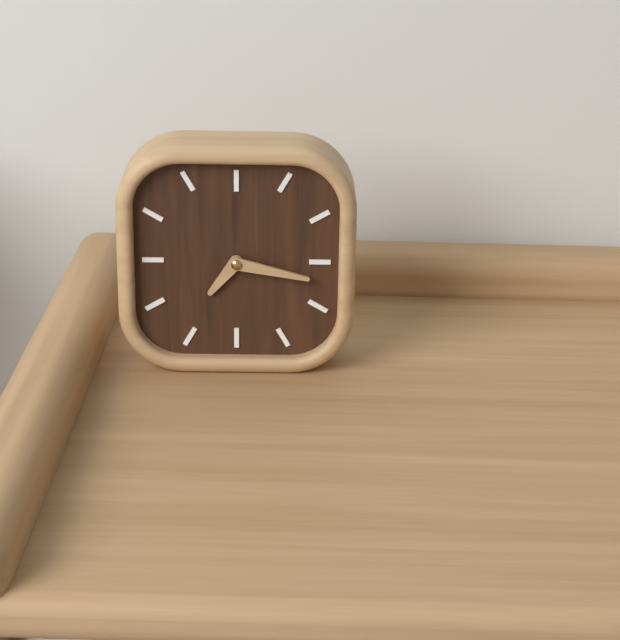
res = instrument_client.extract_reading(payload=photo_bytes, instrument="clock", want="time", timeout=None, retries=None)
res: 7:17
